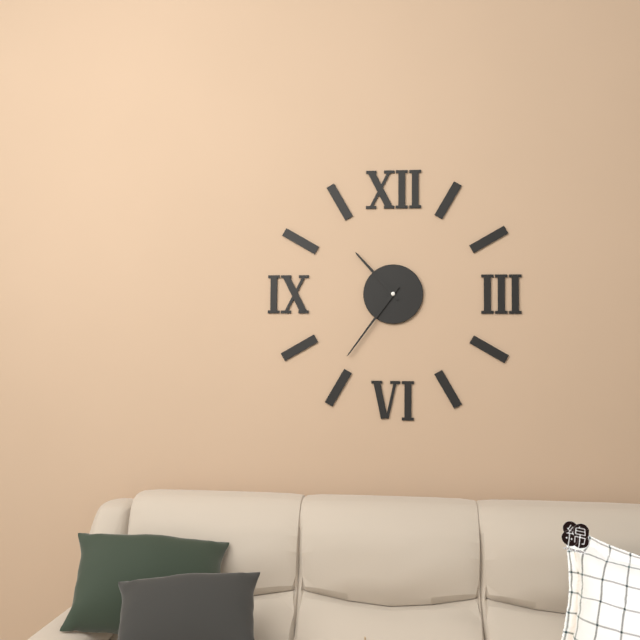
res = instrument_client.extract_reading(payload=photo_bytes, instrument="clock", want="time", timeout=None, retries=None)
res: 10:36
